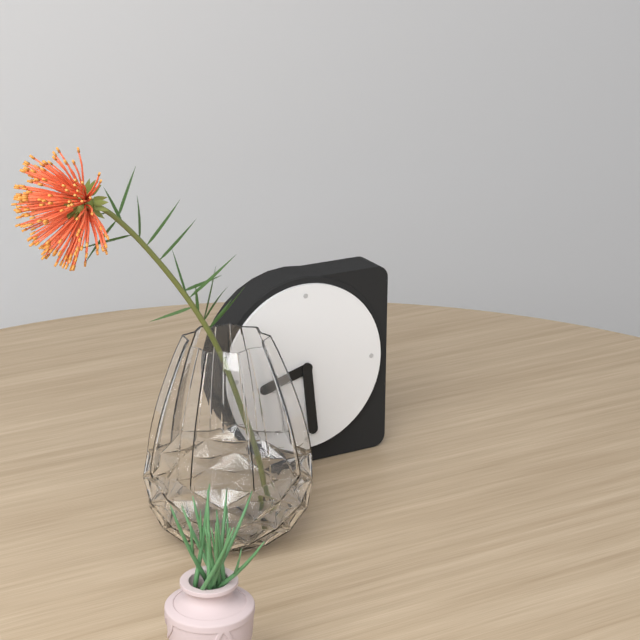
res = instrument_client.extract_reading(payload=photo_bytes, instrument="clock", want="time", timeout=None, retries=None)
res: 8:29
